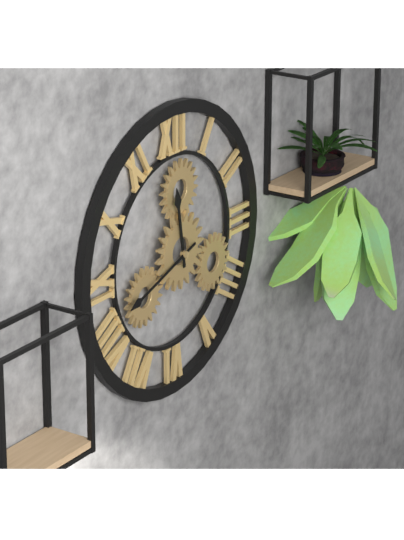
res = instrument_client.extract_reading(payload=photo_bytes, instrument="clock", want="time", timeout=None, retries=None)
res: 11:42
